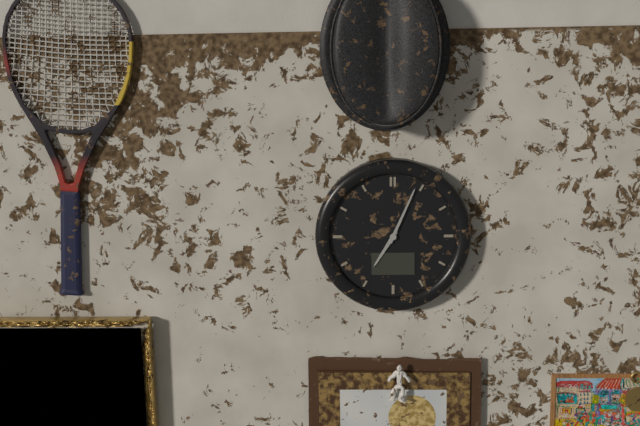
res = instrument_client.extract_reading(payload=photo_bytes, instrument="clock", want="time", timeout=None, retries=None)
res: 7:04
